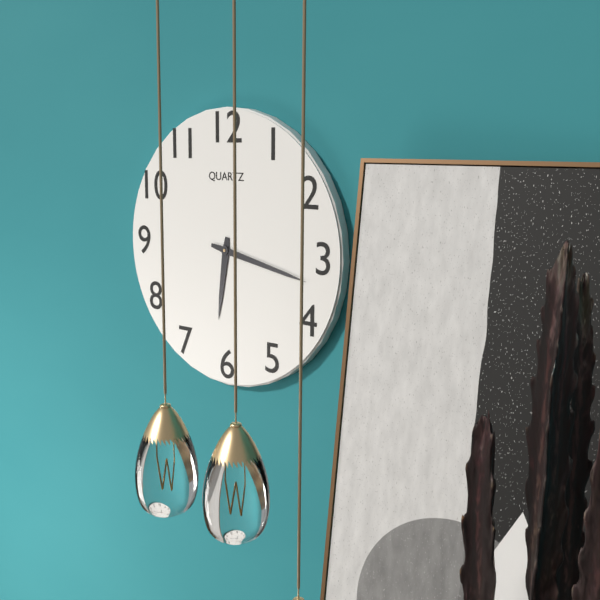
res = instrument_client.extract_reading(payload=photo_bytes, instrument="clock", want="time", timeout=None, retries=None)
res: 6:17
